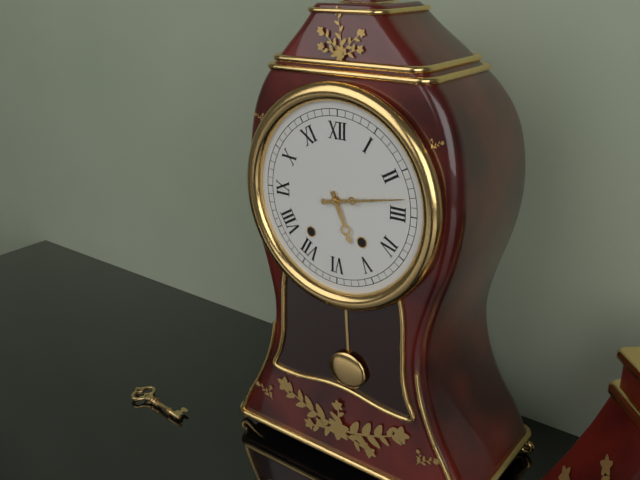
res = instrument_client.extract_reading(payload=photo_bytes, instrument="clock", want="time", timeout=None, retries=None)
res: 5:13
